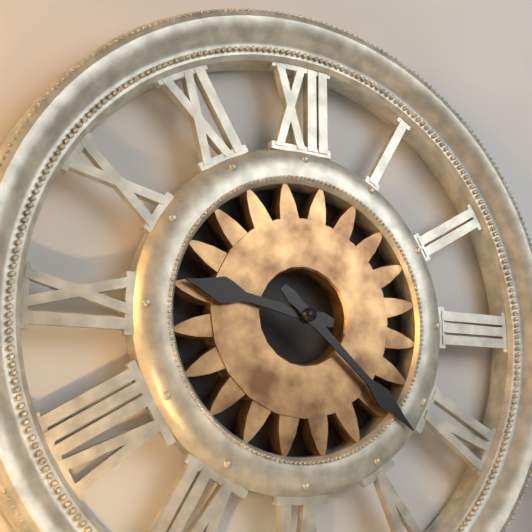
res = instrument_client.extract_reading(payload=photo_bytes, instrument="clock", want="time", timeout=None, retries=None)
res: 9:22
